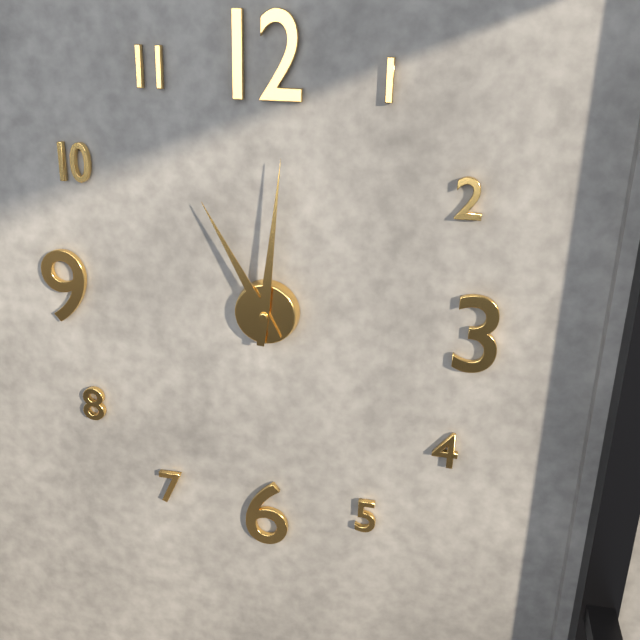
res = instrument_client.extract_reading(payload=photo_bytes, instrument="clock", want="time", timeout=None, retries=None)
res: 11:01
